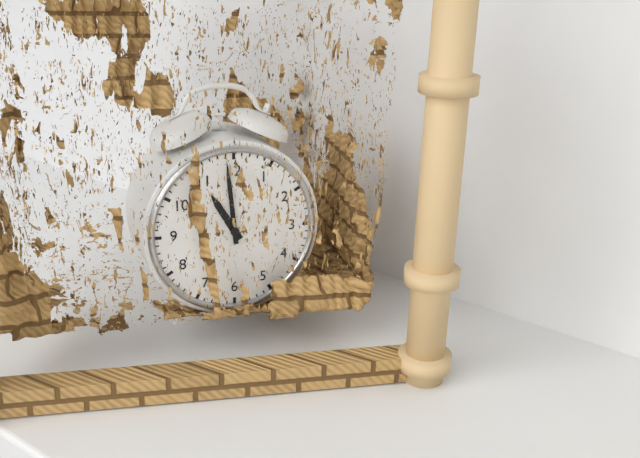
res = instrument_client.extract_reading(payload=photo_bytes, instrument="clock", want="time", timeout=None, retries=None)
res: 10:59
